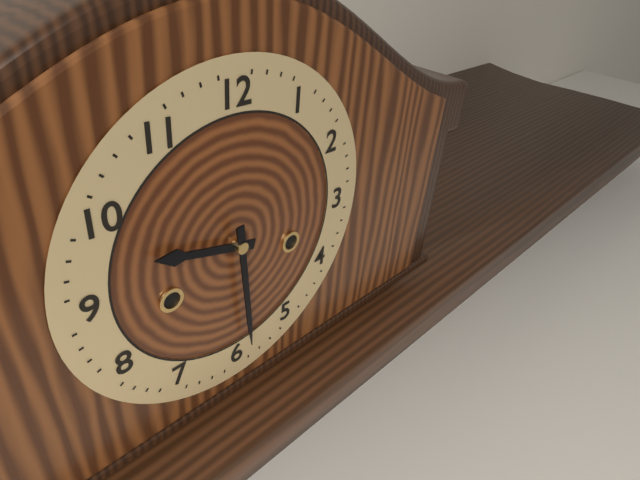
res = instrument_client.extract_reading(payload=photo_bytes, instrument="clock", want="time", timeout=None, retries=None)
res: 9:29
